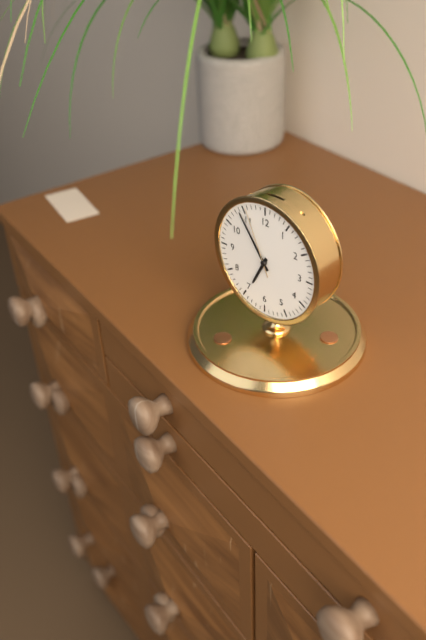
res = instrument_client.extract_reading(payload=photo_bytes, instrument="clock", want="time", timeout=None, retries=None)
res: 6:54:56
